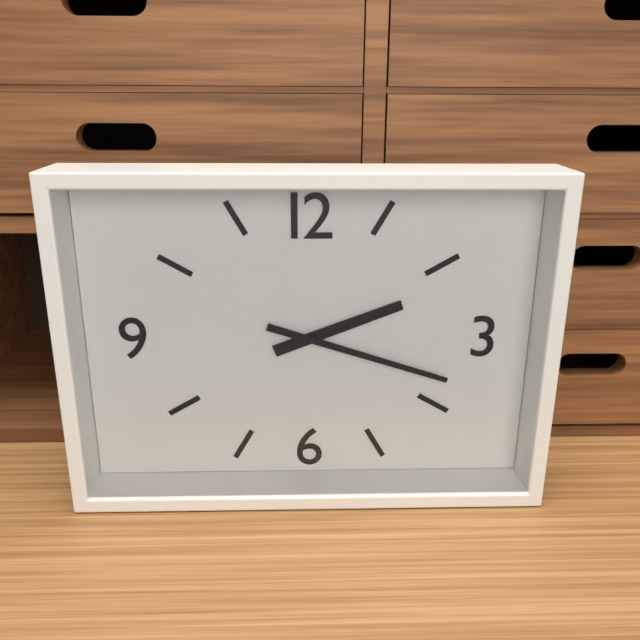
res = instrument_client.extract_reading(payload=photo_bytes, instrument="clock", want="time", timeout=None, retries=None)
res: 2:18
